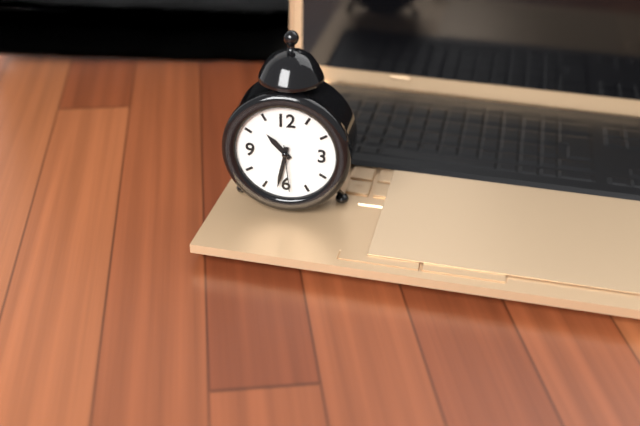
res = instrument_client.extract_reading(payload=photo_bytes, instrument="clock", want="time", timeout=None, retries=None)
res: 10:32
